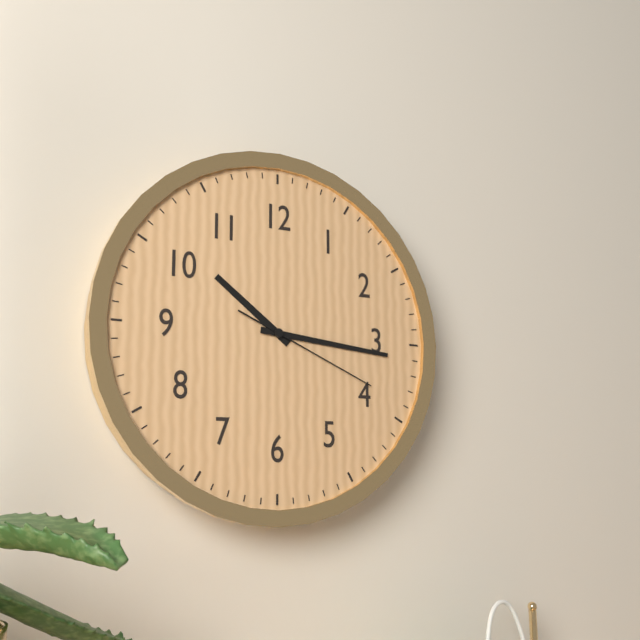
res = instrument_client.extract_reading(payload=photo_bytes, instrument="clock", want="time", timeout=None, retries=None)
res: 10:16:19
